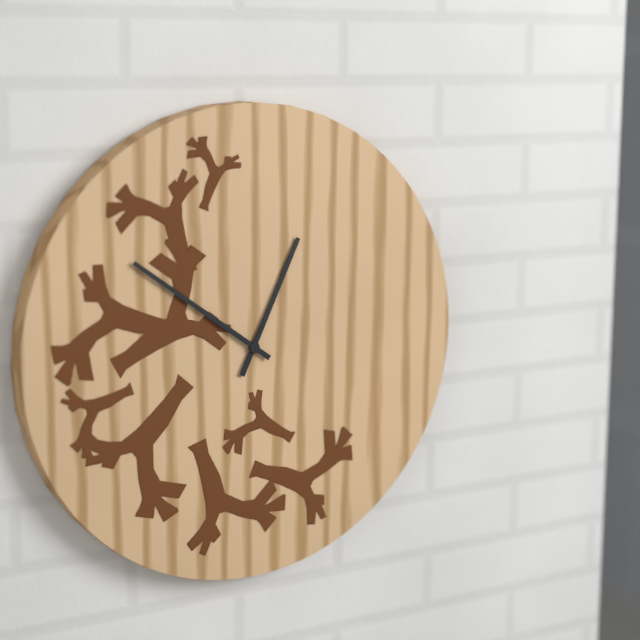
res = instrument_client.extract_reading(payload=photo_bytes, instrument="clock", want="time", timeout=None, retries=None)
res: 12:51
